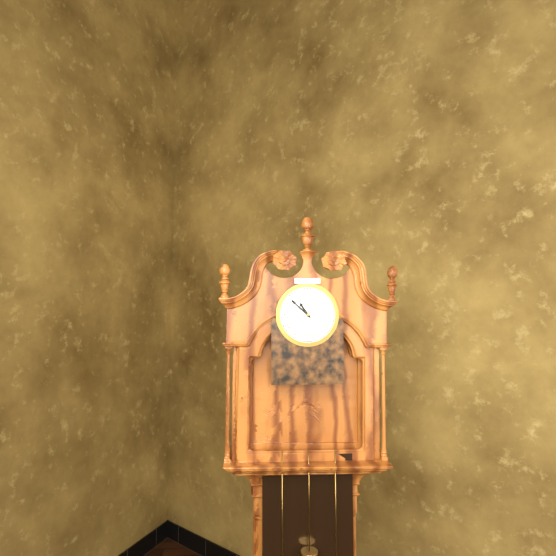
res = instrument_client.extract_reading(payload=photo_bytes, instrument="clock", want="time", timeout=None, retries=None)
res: 10:52
